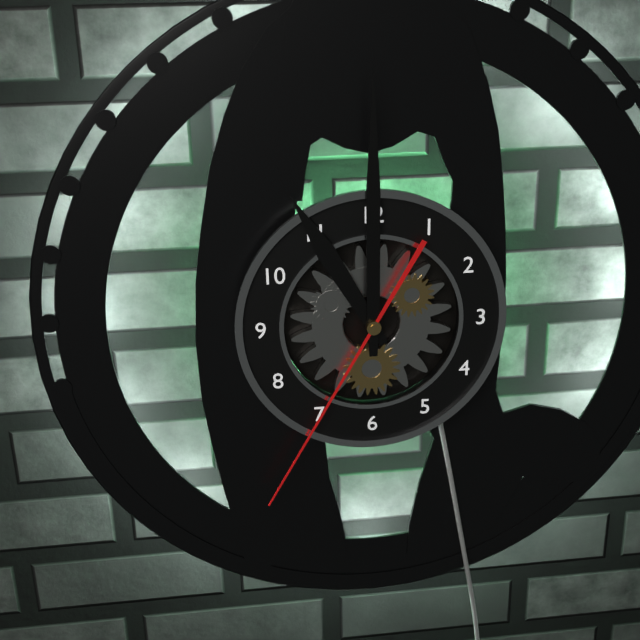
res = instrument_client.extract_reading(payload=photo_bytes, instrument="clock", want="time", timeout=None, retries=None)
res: 11:00:35
